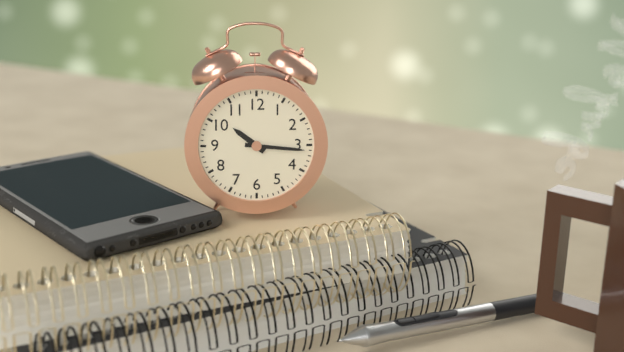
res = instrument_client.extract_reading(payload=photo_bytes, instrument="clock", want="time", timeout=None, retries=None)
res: 10:16
